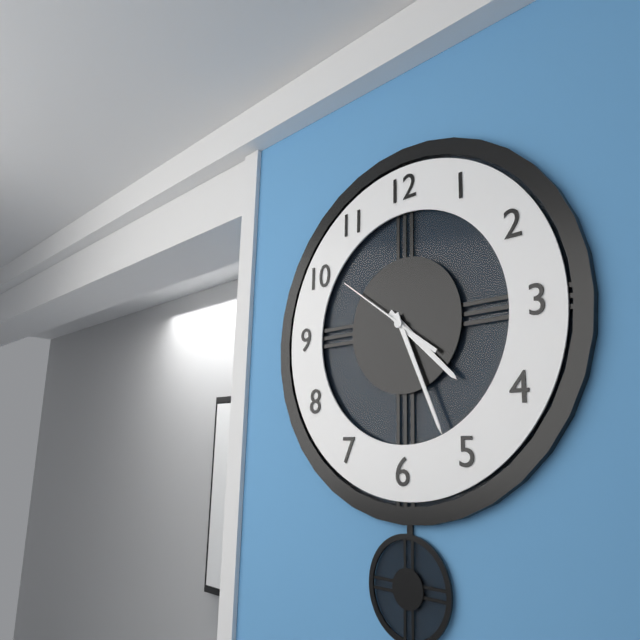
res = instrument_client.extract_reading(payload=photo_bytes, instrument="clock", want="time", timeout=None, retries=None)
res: 4:26:51
